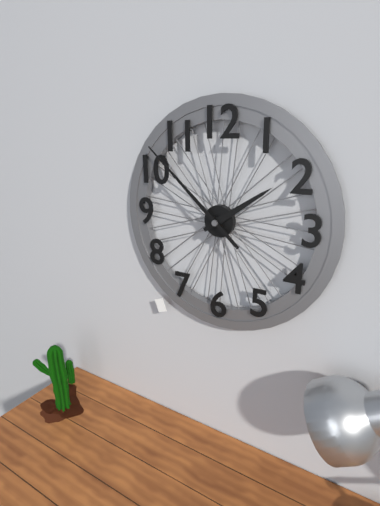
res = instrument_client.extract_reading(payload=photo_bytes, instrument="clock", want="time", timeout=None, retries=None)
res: 1:52
